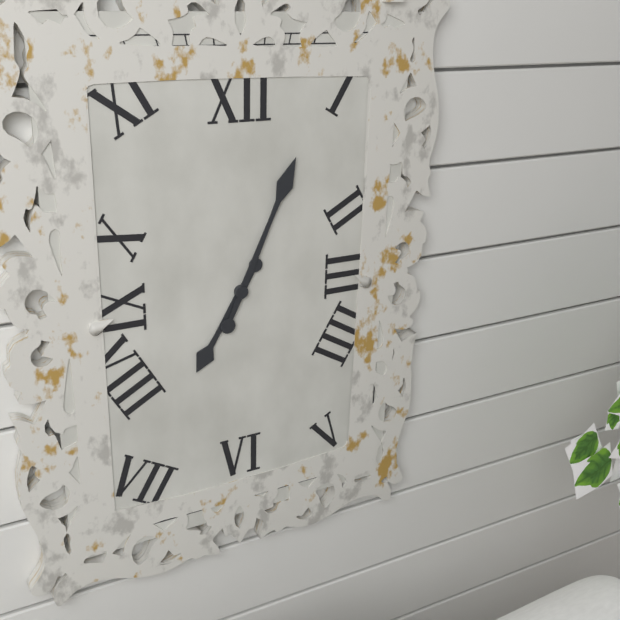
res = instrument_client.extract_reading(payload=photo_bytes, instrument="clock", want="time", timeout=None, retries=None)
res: 7:04
